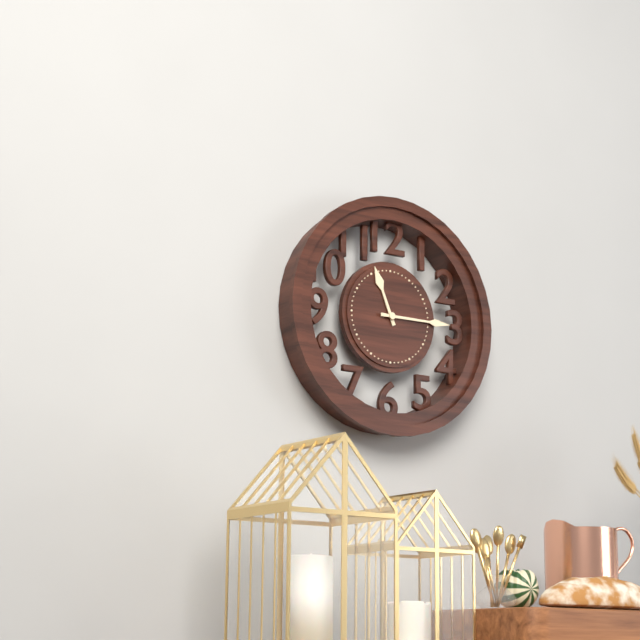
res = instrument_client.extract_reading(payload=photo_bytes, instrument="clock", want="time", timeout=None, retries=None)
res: 11:15
